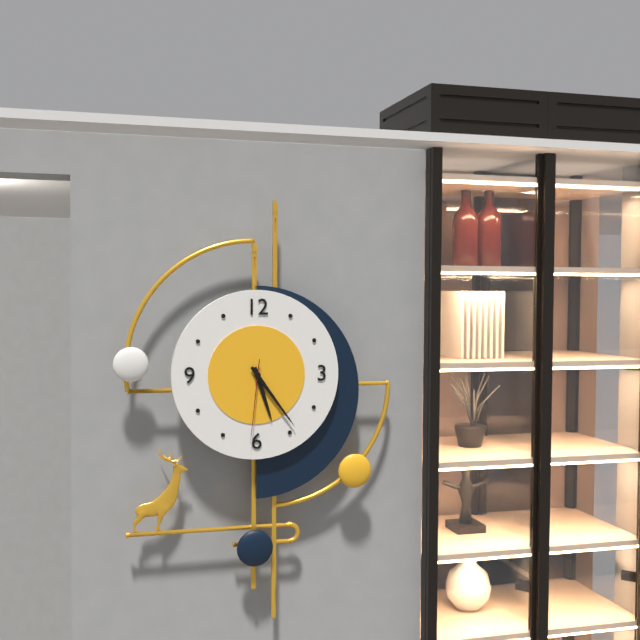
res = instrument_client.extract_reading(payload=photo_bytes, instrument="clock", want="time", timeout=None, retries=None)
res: 5:24:31
